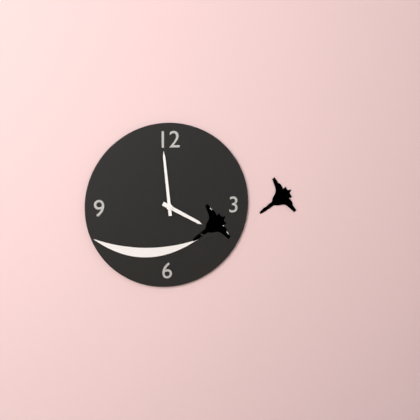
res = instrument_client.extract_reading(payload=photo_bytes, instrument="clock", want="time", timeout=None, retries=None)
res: 3:59
